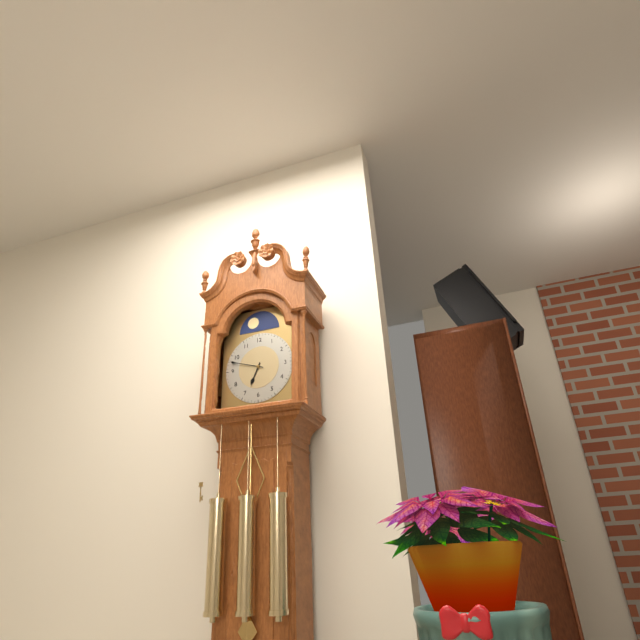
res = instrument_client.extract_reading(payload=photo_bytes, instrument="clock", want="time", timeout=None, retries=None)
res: 6:48
